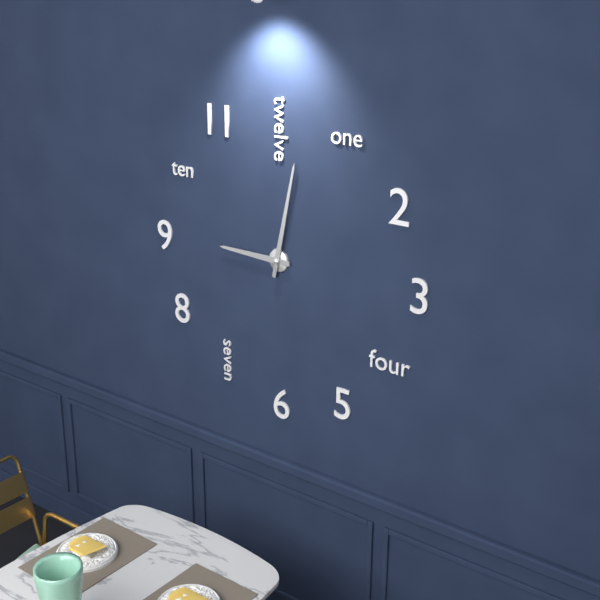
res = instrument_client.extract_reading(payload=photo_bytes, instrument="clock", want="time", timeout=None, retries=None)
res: 9:02
